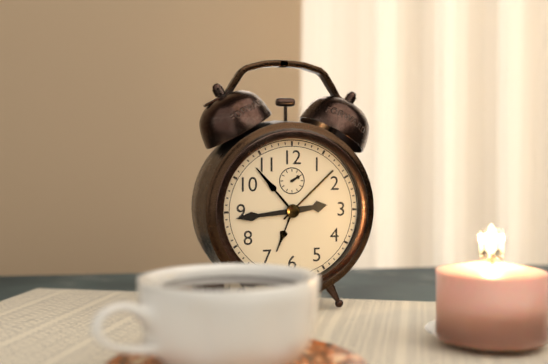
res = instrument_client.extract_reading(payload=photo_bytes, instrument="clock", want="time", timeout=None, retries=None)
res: 2:44
